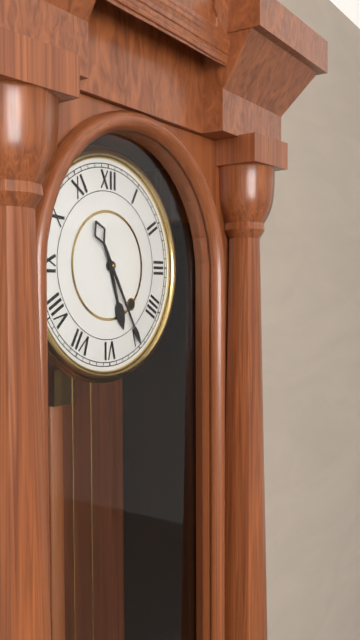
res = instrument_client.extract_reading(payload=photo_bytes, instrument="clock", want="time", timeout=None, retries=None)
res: 5:25
